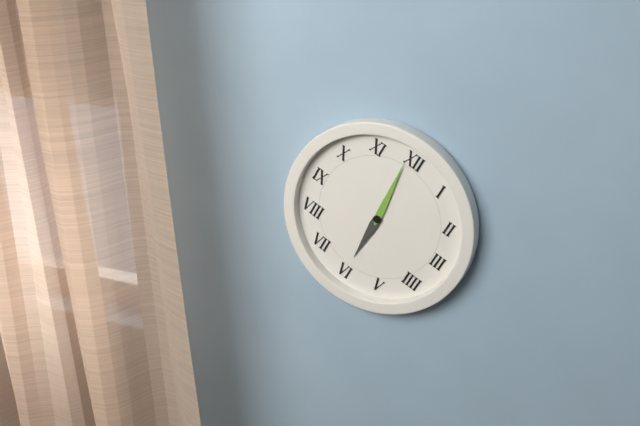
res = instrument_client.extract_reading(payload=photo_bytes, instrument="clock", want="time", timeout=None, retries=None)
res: 5:59
